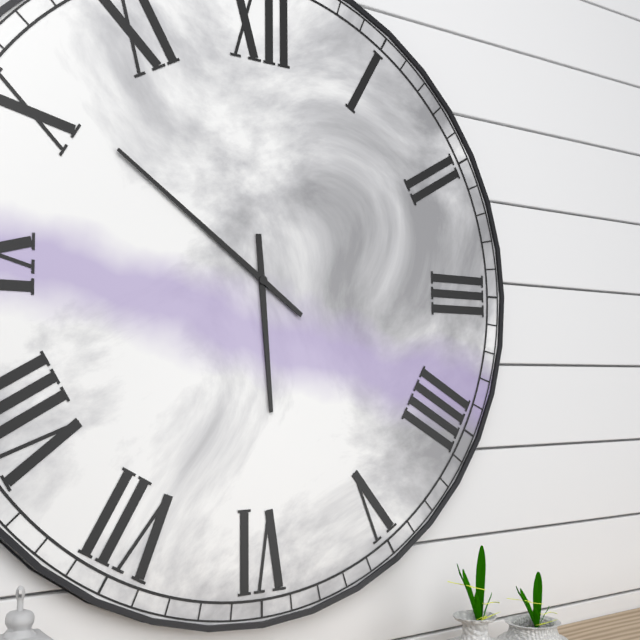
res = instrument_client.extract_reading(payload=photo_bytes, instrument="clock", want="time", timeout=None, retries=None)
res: 5:51
